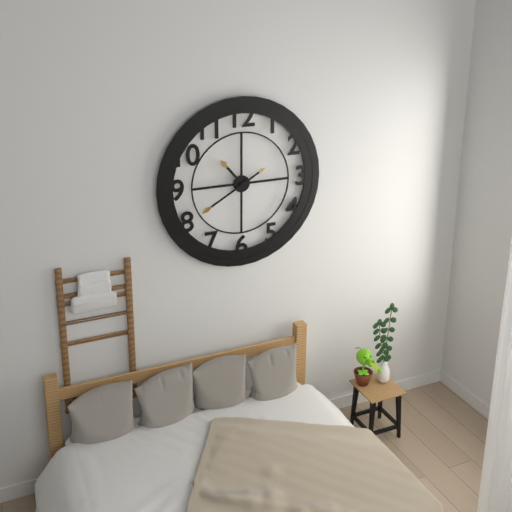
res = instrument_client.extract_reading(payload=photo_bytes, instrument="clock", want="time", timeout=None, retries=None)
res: 10:40
